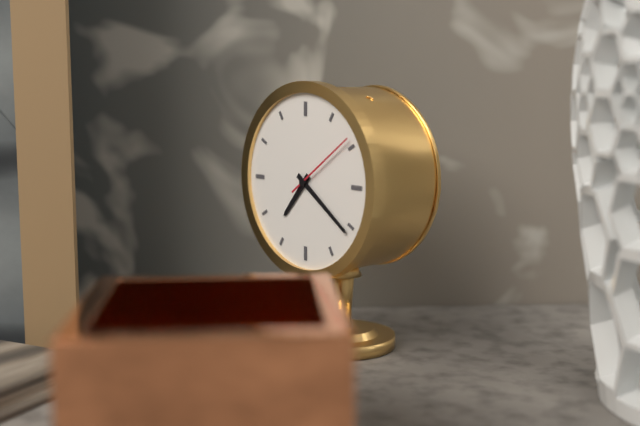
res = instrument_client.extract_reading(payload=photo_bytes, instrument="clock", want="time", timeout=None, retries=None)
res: 7:21:09
